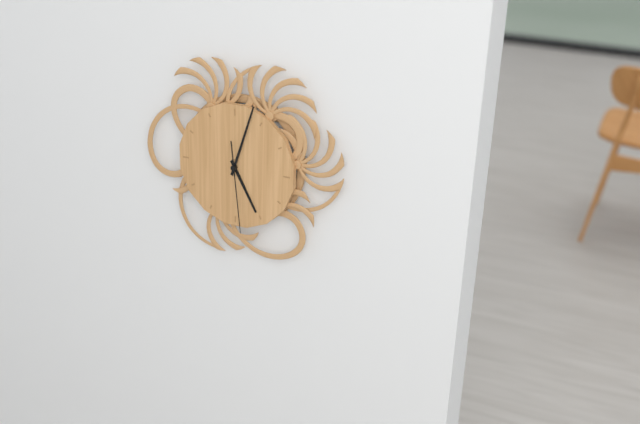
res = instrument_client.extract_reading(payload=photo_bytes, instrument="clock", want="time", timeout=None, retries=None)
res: 5:03:29
